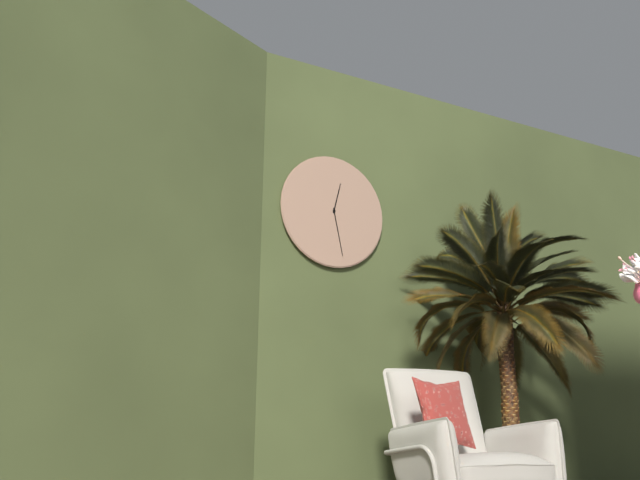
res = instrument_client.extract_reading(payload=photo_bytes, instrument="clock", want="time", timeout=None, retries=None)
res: 12:28
